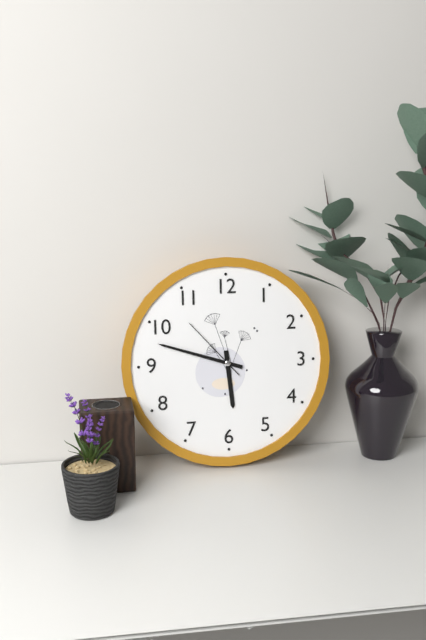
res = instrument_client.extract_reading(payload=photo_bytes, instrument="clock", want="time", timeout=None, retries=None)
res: 5:48:53
